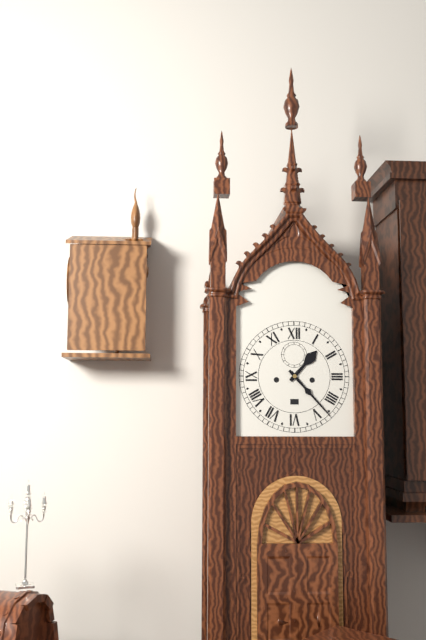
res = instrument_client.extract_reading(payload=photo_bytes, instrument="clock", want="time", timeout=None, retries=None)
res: 1:23
